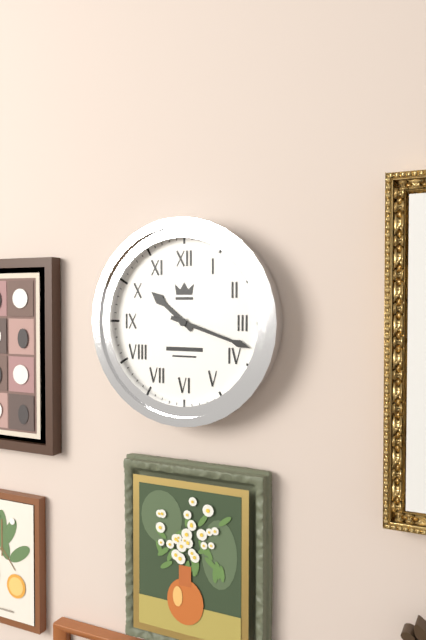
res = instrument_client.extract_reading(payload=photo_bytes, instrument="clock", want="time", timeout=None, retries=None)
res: 10:18
